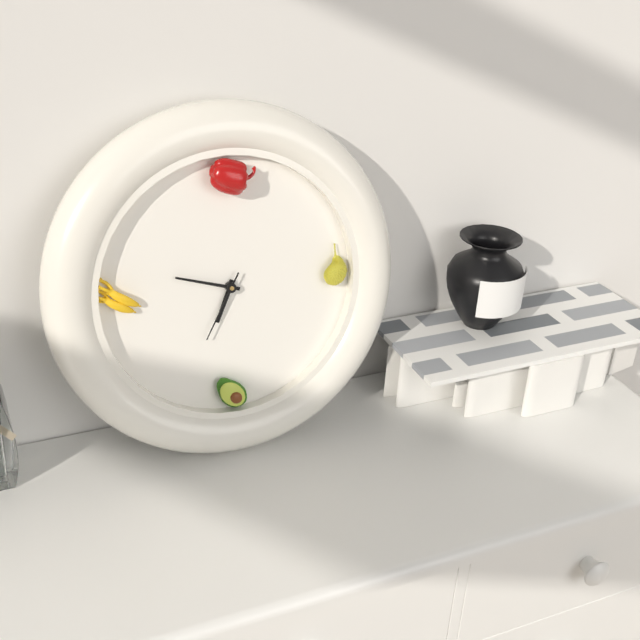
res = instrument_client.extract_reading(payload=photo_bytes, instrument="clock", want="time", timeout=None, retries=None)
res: 6:48:35
